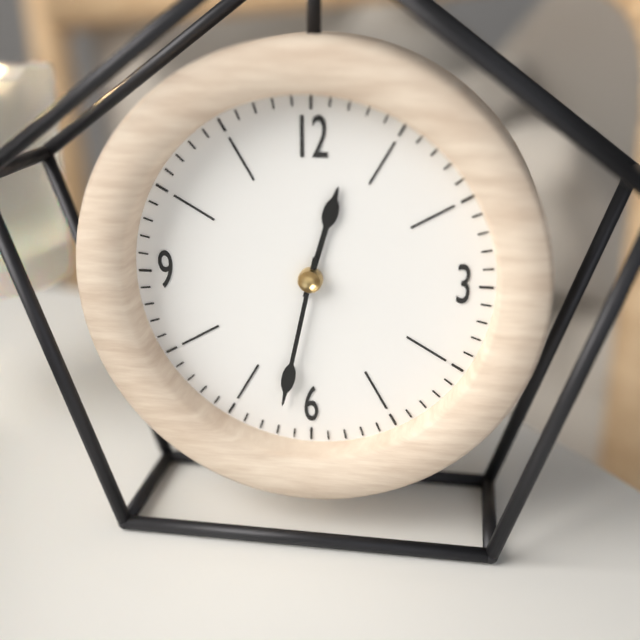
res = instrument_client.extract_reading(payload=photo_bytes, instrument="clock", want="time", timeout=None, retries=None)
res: 12:32
